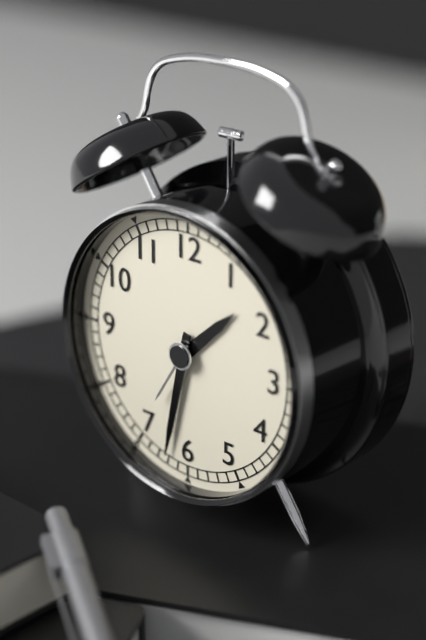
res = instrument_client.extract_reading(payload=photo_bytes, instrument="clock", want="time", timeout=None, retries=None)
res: 1:32
